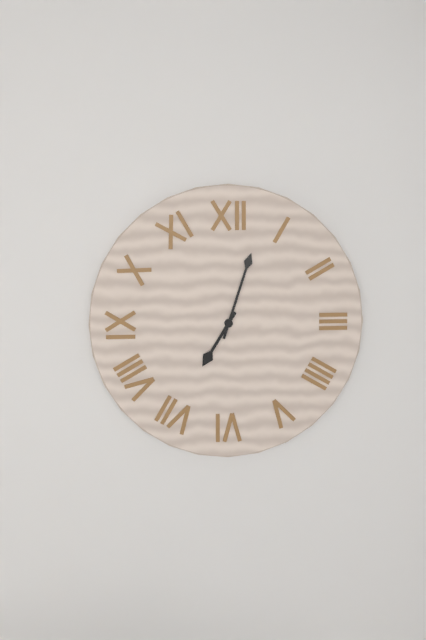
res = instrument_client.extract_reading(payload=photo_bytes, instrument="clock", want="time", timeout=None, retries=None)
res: 7:03
